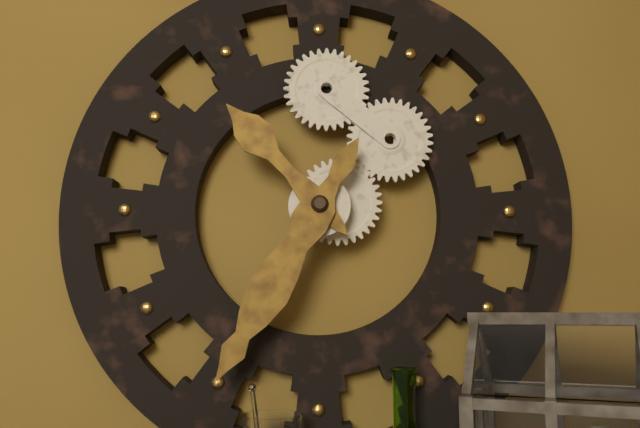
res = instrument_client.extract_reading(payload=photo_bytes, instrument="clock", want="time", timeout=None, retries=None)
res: 10:35
